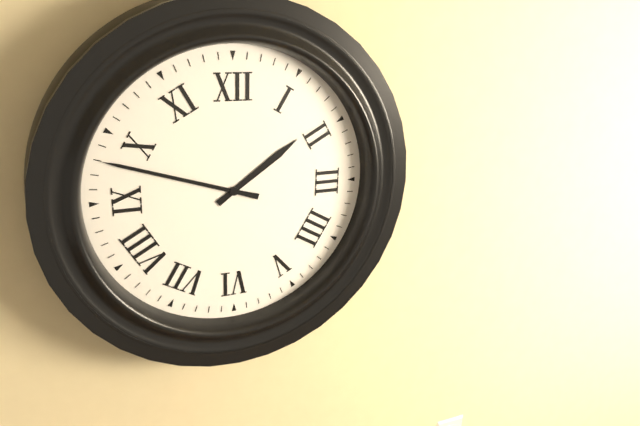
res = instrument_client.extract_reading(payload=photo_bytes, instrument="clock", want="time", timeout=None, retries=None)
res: 1:48
